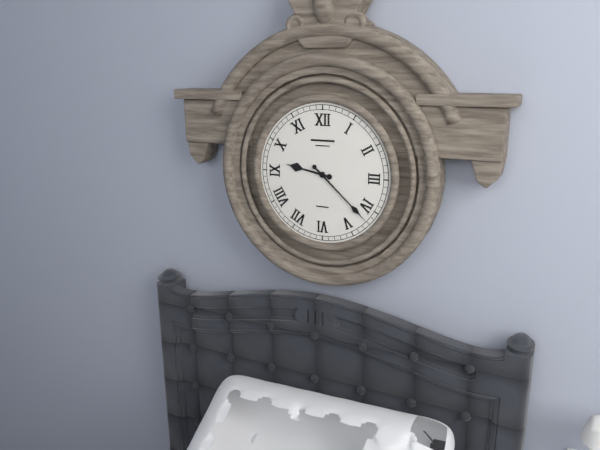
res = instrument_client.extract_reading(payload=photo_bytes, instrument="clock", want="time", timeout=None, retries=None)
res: 9:22
